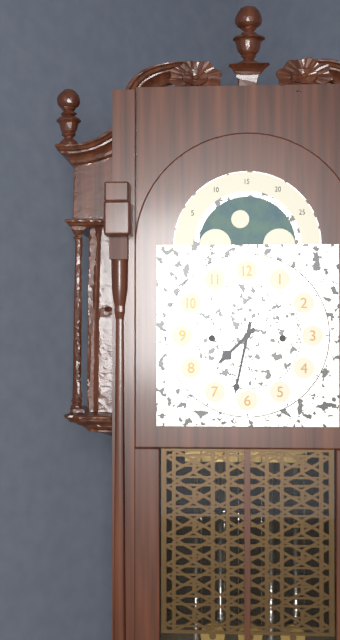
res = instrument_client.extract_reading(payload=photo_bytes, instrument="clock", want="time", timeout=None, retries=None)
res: 7:32
